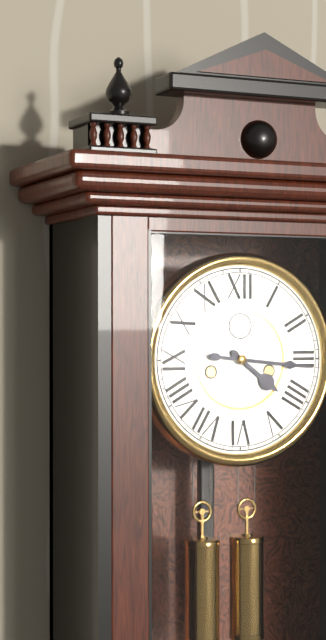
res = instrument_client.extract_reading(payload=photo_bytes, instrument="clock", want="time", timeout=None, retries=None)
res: 4:16
